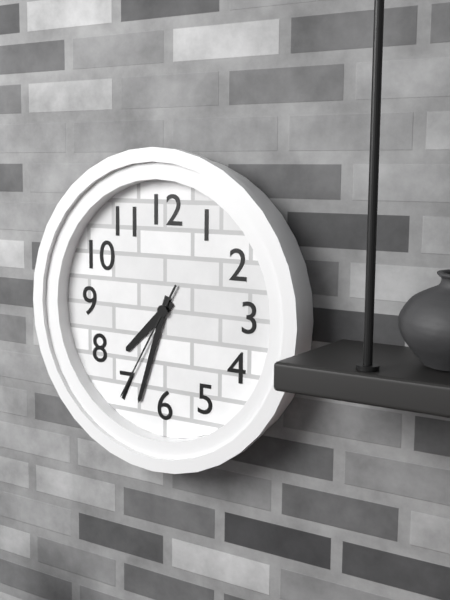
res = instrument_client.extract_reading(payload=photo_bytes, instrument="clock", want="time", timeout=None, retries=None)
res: 7:33:35
